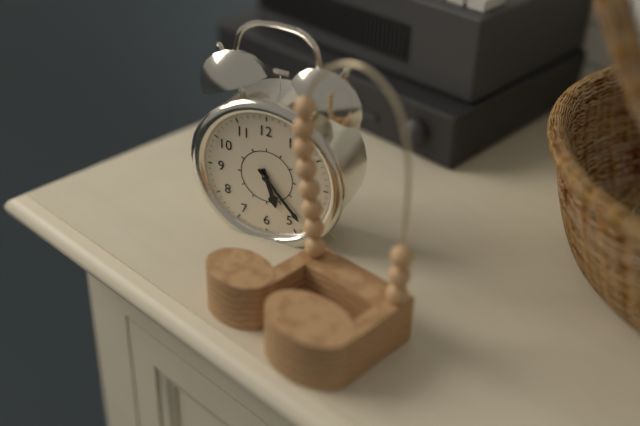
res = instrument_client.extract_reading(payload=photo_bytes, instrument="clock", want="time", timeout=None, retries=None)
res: 5:23
